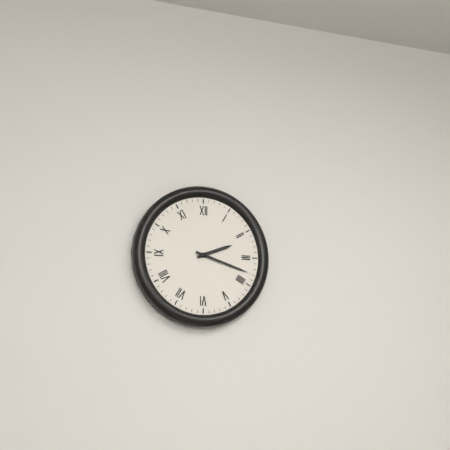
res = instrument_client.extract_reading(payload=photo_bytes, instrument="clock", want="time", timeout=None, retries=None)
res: 2:18
